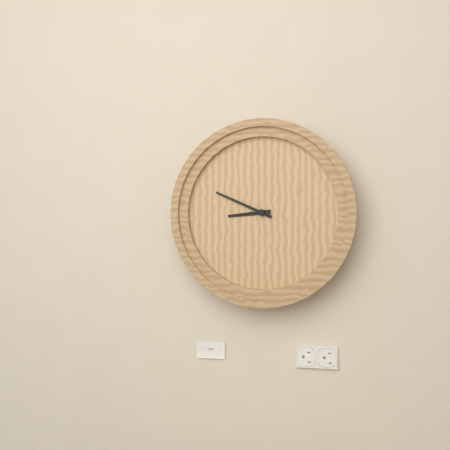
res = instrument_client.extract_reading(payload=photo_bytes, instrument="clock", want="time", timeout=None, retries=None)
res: 8:49
